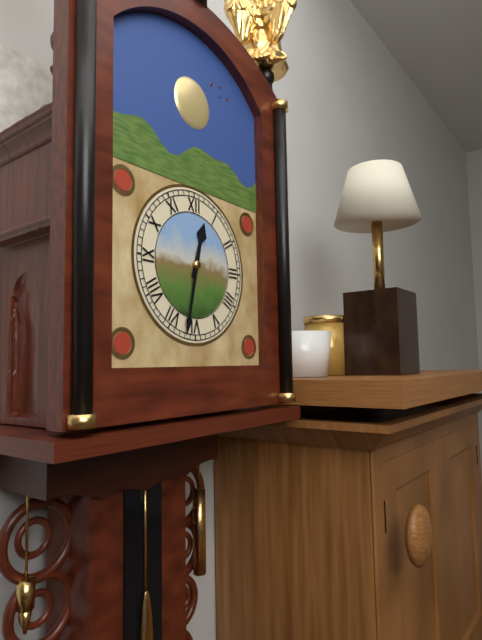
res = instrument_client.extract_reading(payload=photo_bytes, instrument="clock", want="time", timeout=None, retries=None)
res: 12:32
